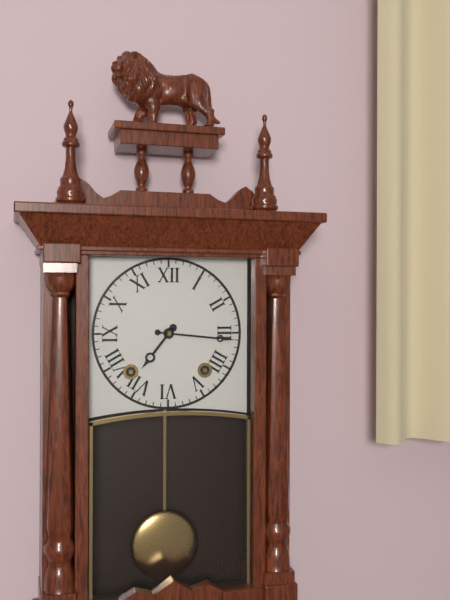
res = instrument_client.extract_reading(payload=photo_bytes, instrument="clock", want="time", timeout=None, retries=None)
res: 7:16
